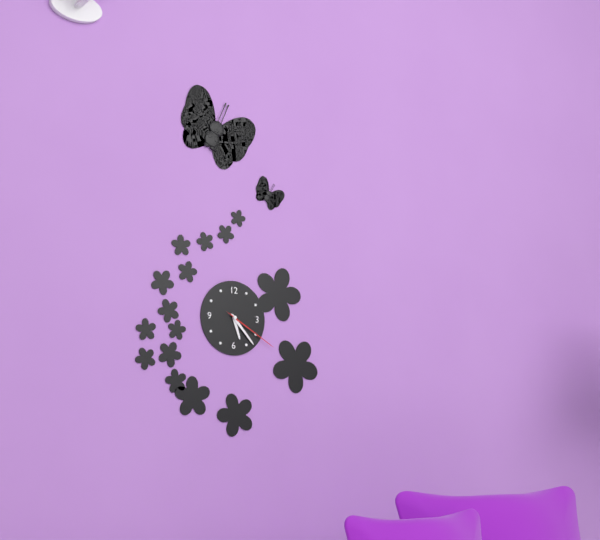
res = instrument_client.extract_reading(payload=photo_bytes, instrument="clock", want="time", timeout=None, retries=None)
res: 5:23:20
